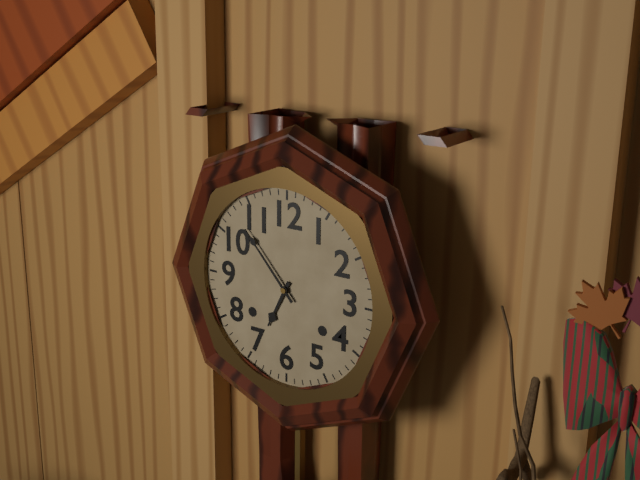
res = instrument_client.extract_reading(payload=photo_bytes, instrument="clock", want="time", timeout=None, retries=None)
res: 6:53
